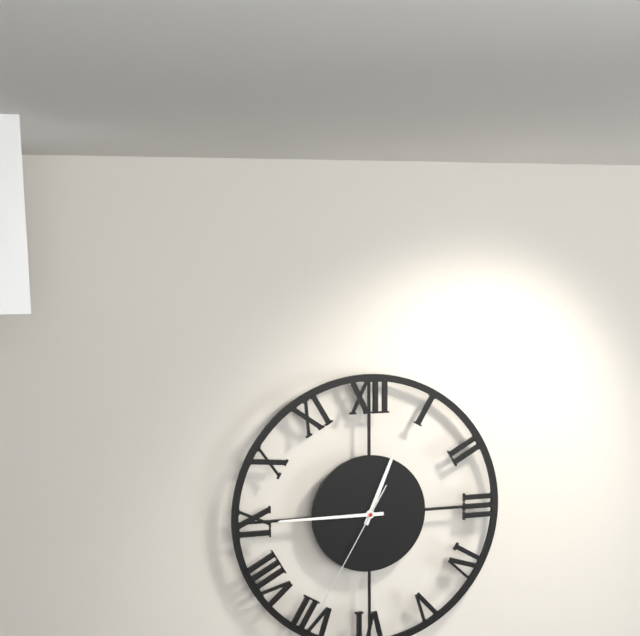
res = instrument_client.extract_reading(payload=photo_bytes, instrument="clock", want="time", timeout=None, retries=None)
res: 12:45:35
